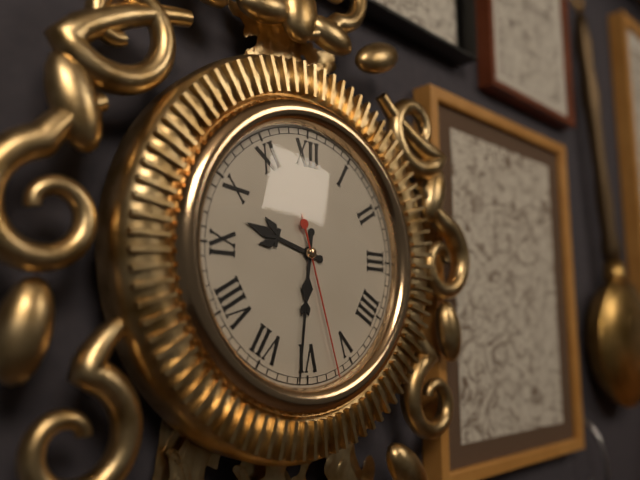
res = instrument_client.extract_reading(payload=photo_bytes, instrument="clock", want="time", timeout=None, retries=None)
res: 9:31:27
